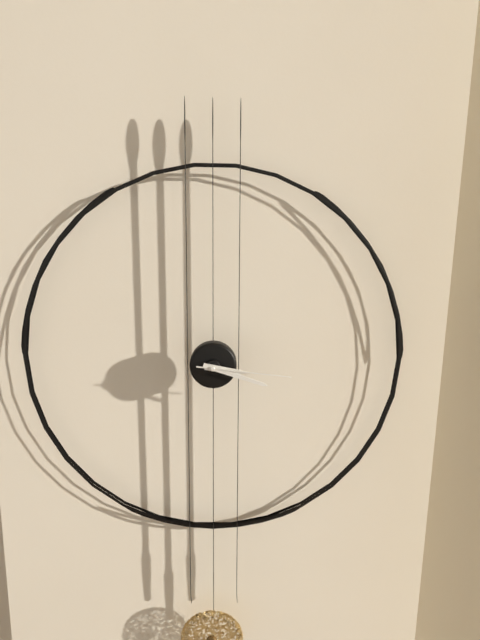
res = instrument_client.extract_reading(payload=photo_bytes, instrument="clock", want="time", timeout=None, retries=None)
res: 3:18:16
